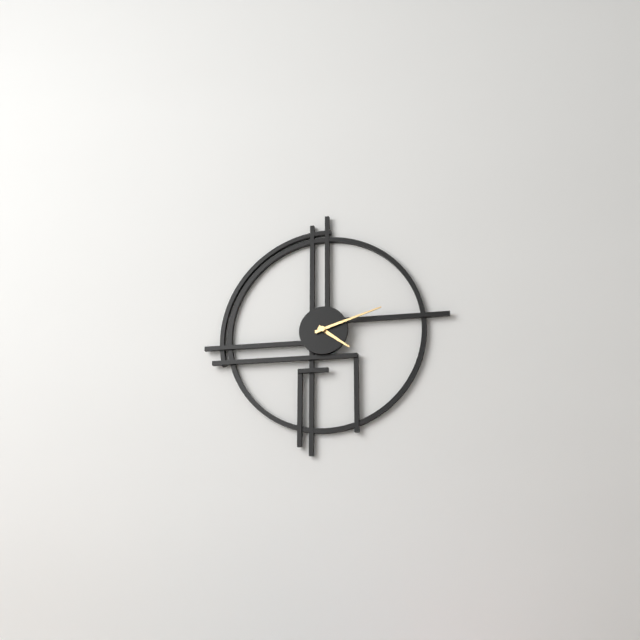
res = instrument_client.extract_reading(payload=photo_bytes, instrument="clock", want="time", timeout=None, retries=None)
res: 4:12
